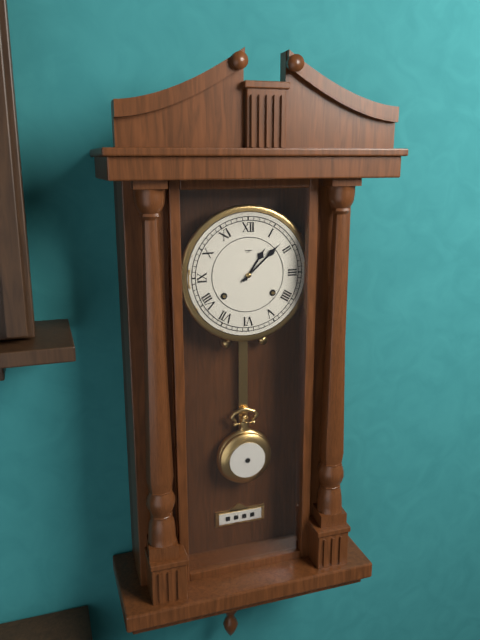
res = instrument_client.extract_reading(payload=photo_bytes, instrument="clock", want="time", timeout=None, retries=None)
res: 1:08
